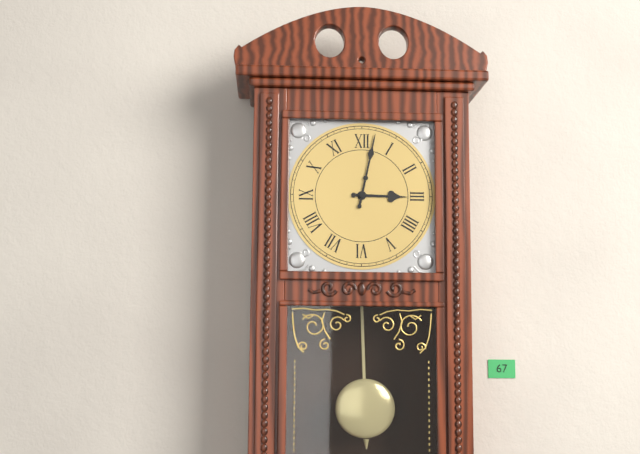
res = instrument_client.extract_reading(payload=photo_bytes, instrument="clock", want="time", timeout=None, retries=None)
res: 3:02
